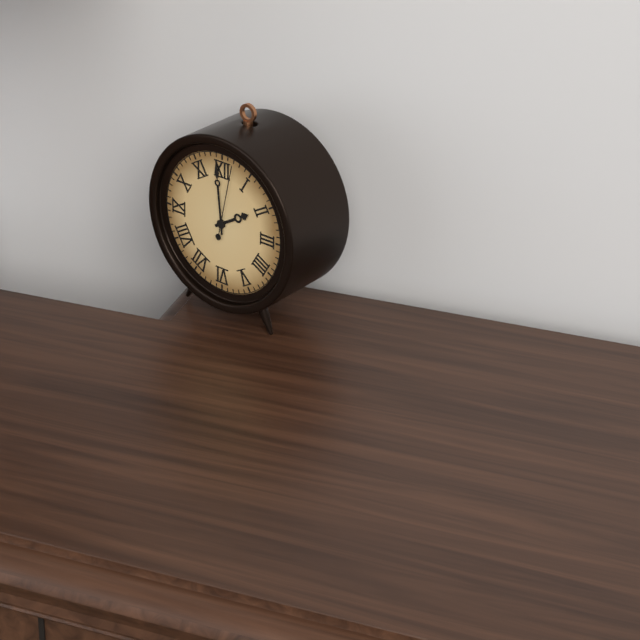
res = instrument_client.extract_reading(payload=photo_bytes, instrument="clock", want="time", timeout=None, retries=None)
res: 1:59:02
